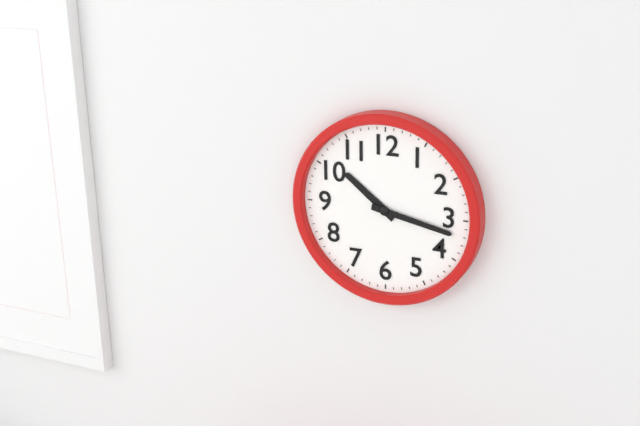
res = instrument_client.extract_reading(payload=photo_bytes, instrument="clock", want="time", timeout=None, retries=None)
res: 10:17
